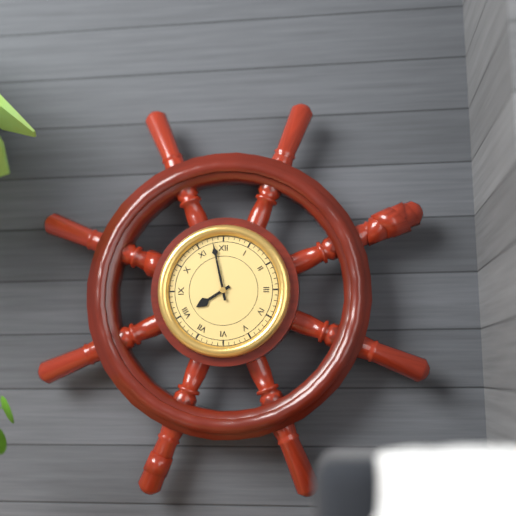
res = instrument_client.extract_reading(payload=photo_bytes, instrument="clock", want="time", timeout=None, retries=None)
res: 7:58
